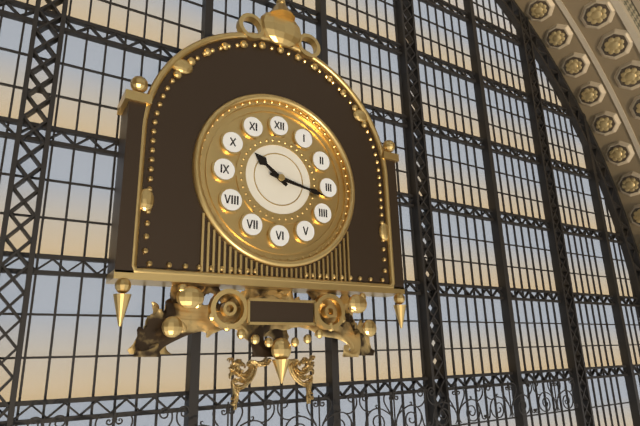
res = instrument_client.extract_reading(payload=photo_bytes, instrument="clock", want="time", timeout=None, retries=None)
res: 10:17
